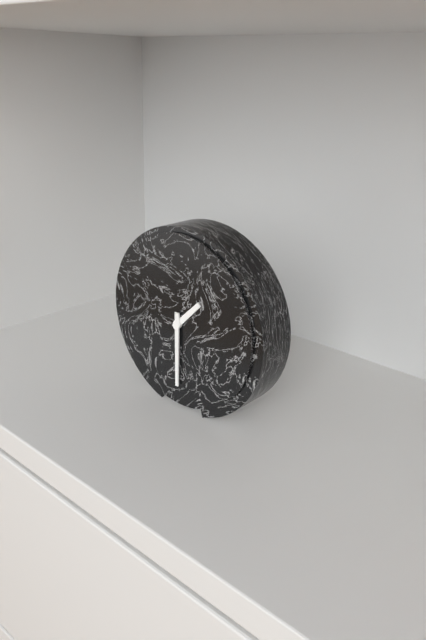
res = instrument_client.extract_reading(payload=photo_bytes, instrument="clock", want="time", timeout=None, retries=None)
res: 1:30
